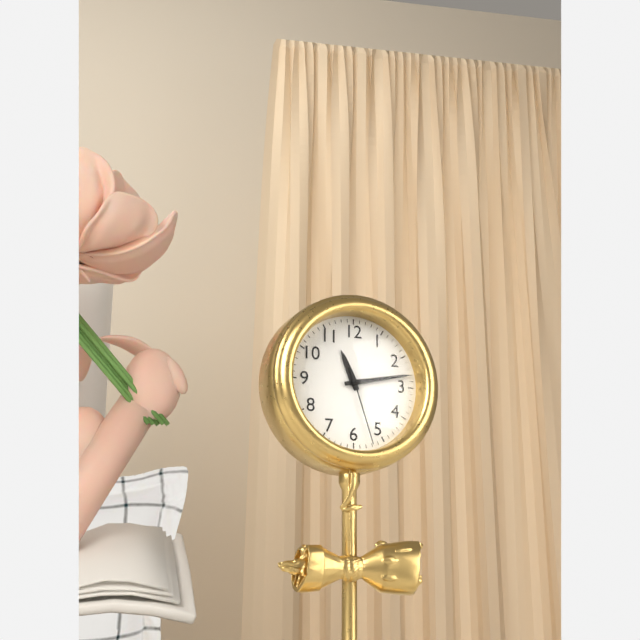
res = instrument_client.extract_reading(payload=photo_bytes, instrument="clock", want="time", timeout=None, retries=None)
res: 11:13:27
